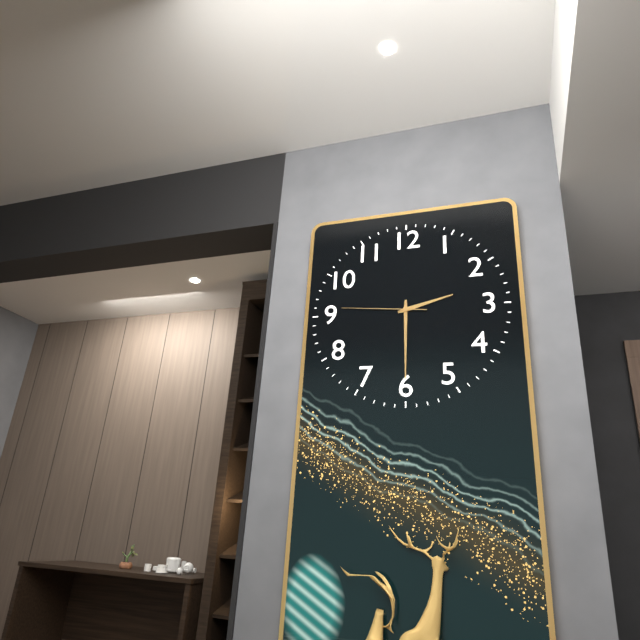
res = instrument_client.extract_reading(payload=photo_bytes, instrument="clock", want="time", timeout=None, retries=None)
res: 2:30:46
